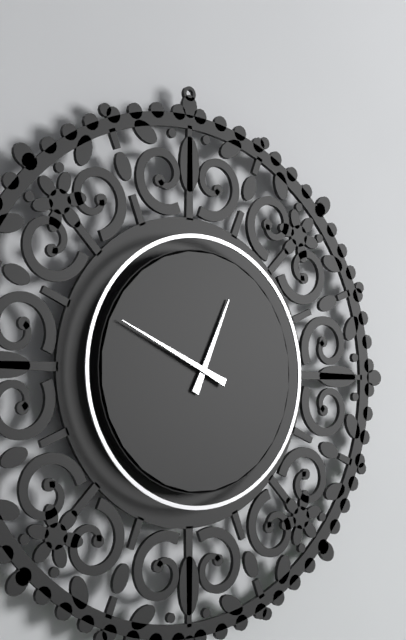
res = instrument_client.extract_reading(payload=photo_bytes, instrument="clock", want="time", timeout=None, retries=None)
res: 12:49
